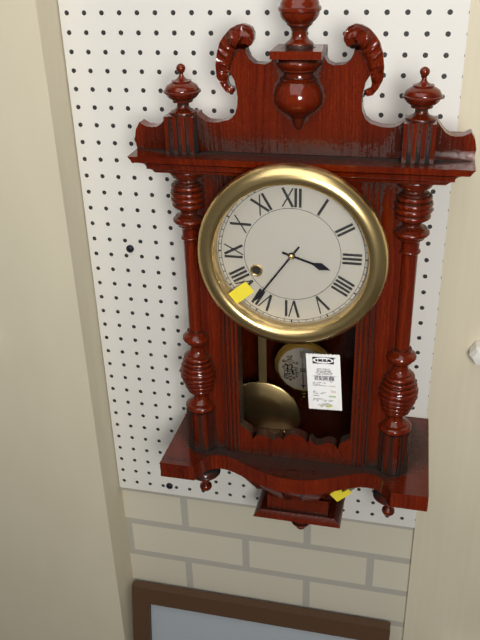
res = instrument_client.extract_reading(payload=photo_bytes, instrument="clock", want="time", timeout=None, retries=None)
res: 3:36
